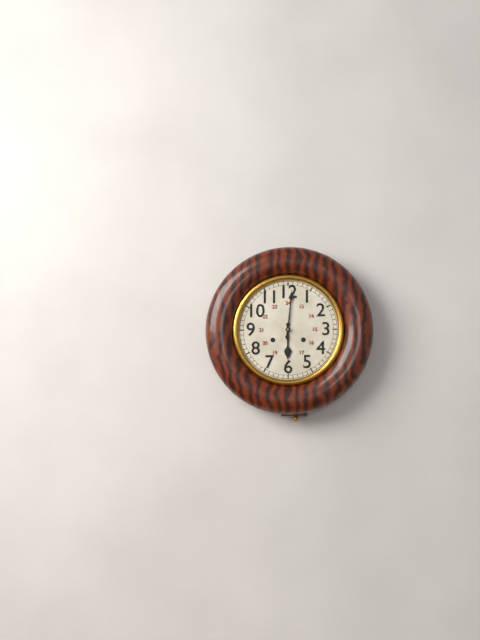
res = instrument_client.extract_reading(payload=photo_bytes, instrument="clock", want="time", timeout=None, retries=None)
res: 6:01
